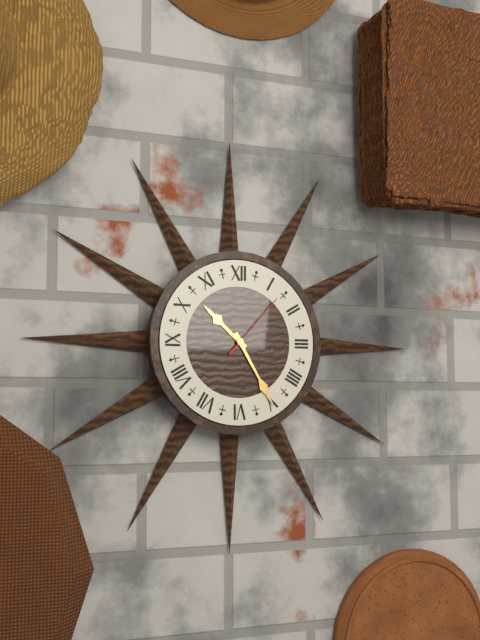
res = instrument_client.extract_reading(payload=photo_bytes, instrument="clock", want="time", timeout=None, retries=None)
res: 10:25:07
